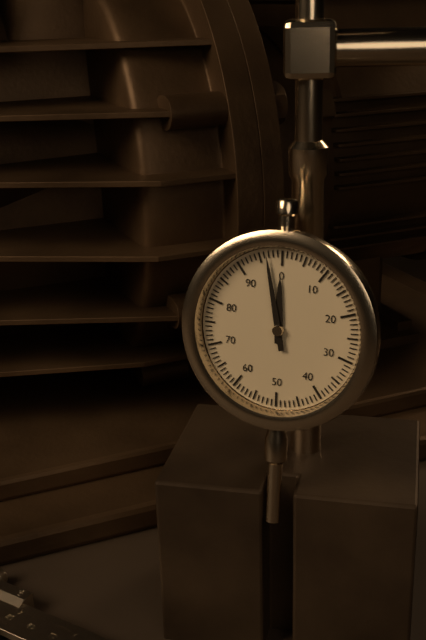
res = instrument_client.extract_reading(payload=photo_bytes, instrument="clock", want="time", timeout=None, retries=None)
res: 11:58
